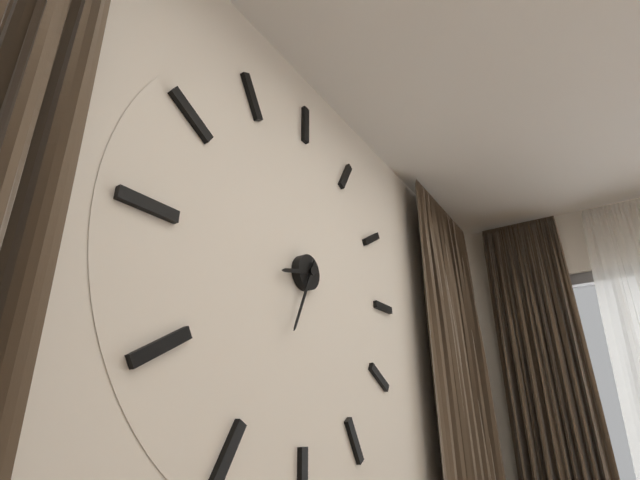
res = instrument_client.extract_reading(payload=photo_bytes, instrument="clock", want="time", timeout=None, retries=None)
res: 8:34
